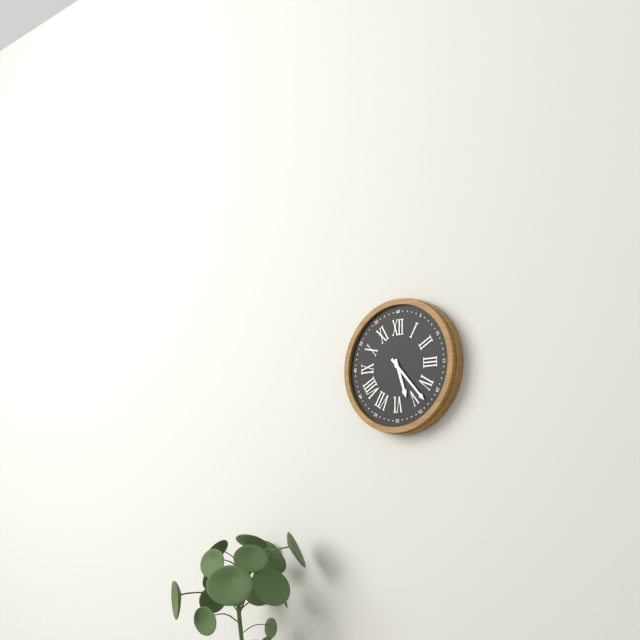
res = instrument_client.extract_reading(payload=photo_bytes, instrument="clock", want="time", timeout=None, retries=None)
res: 5:23
